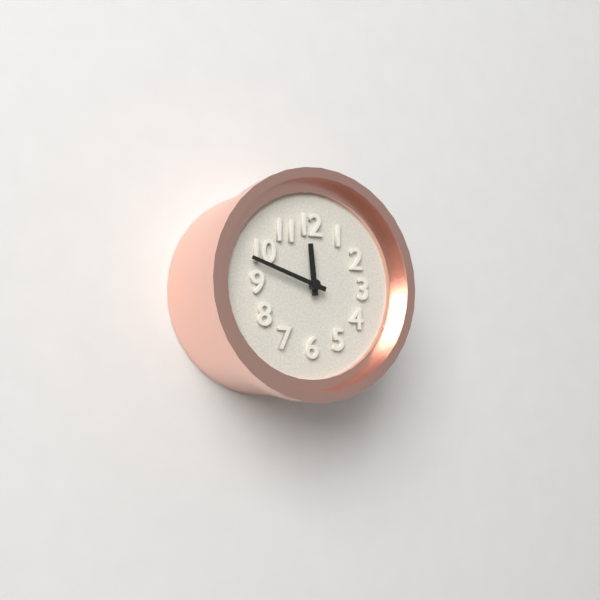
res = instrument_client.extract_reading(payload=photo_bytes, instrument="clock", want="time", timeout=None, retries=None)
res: 11:48
